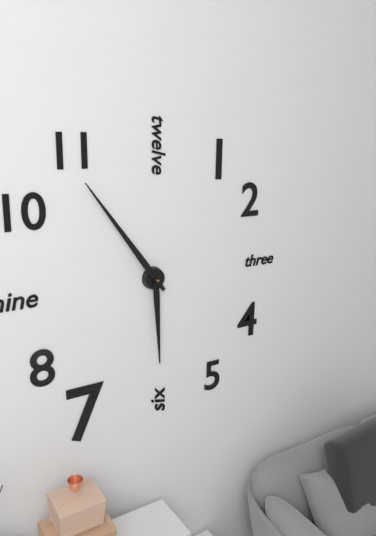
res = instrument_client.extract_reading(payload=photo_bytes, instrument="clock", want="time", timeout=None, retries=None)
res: 5:54
